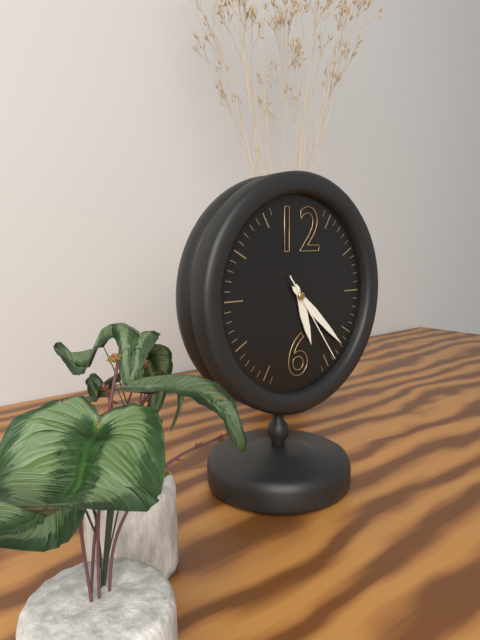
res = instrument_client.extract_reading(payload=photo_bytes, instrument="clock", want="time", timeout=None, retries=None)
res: 5:22:24
